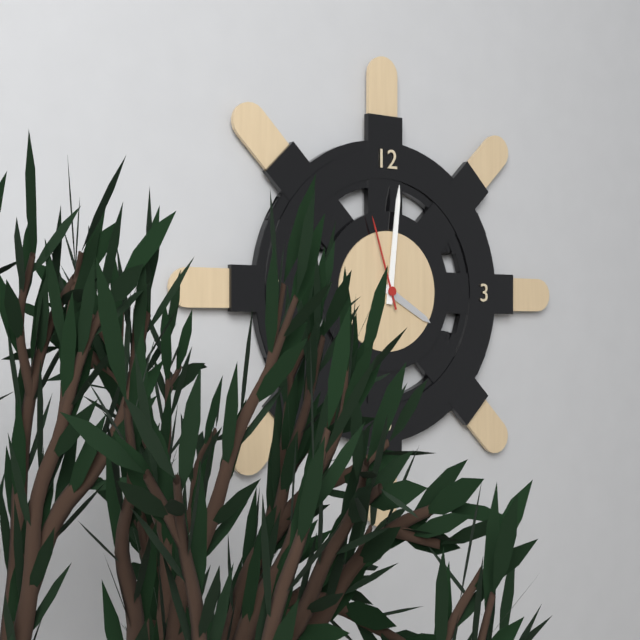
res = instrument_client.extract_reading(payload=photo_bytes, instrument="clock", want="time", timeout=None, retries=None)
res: 4:01:57
